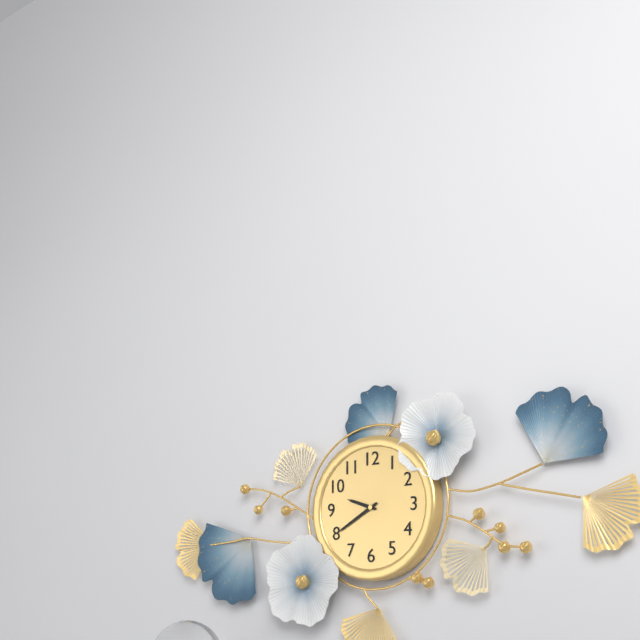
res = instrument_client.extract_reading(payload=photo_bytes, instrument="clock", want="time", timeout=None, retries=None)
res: 9:40
